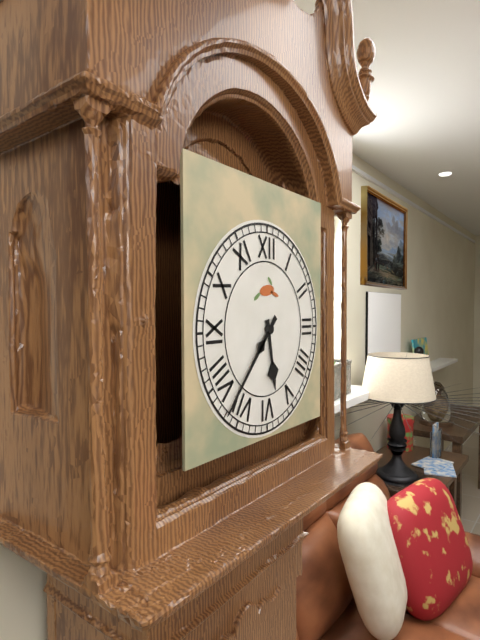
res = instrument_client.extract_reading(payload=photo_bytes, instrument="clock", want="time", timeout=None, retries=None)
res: 5:37
